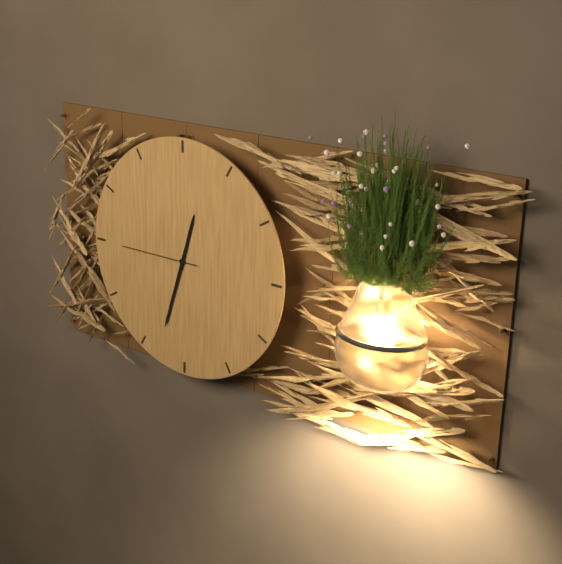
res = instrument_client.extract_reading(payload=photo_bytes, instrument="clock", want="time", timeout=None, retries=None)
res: 12:33:45
